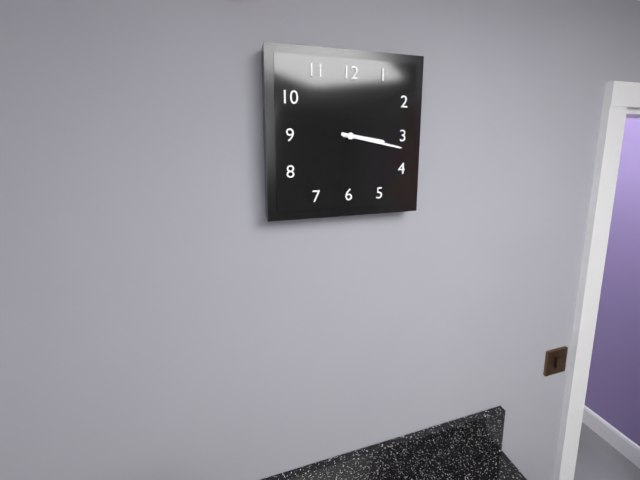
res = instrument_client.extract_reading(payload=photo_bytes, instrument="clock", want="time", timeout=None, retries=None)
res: 3:17
